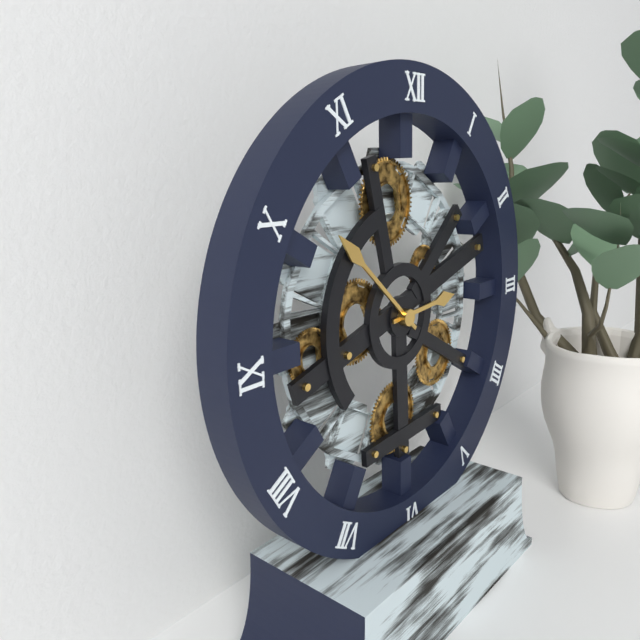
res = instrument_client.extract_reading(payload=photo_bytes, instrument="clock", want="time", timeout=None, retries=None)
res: 2:52
